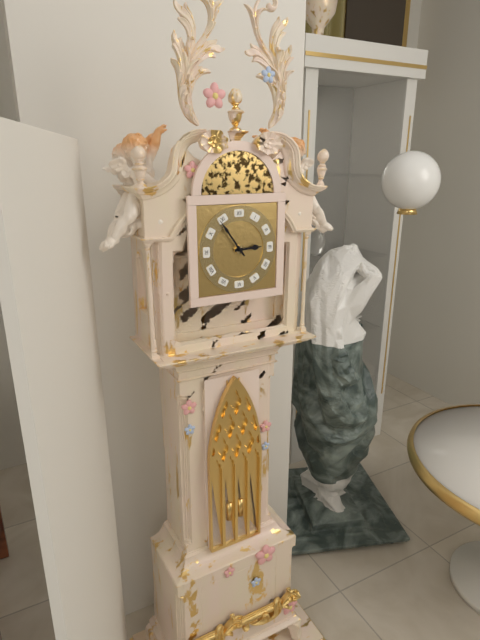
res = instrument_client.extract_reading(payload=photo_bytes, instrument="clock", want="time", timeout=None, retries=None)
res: 2:54
